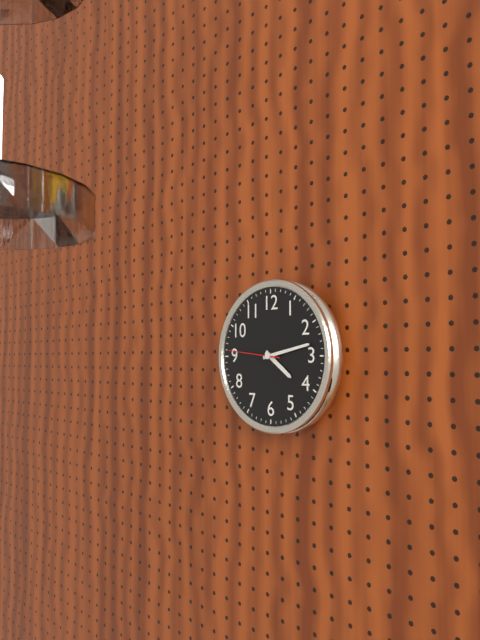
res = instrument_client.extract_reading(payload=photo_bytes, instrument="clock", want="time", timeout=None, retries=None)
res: 4:13:46
